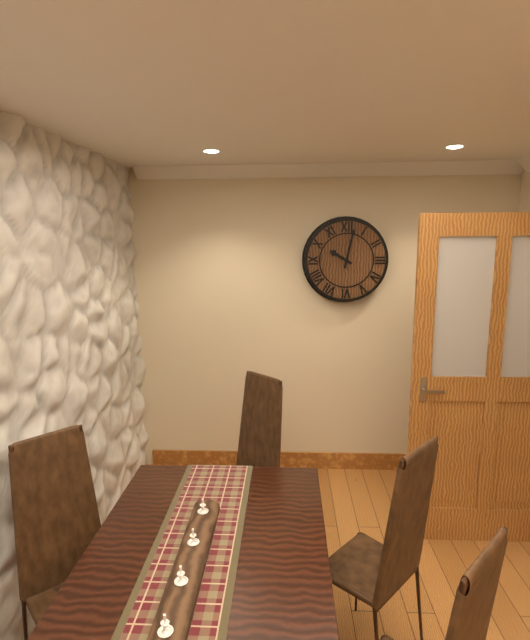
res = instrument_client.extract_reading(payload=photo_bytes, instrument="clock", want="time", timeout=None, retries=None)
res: 10:02
